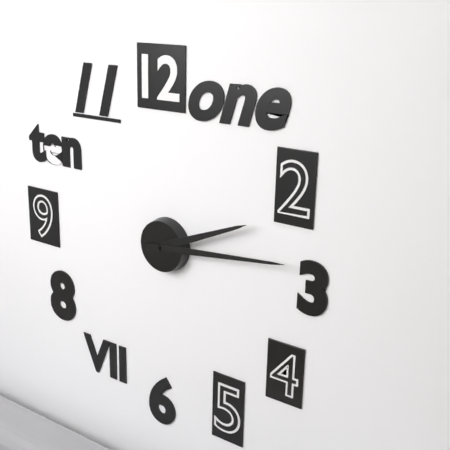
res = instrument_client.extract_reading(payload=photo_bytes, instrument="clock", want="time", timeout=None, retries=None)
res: 2:14
